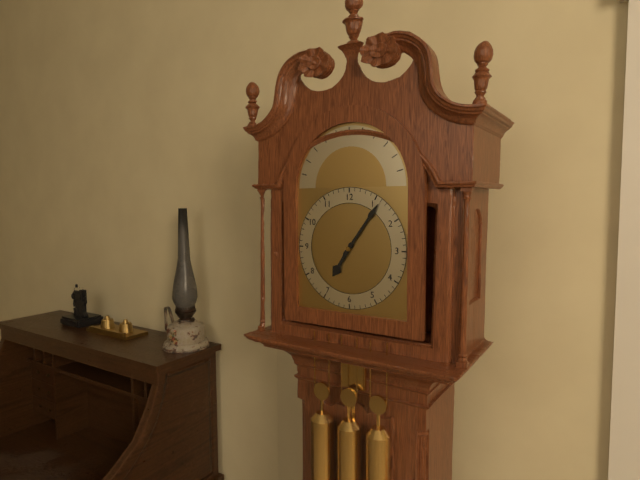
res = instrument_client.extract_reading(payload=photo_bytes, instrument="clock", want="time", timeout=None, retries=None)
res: 7:06
